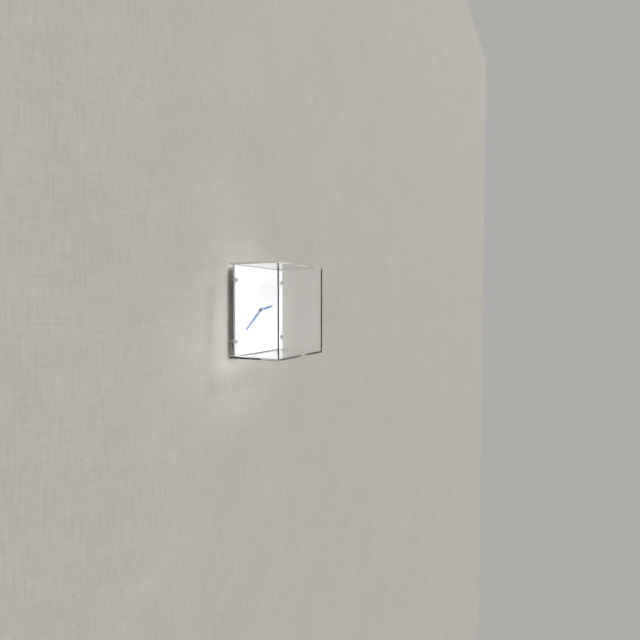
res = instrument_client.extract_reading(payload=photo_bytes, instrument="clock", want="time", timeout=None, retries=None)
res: 2:39
